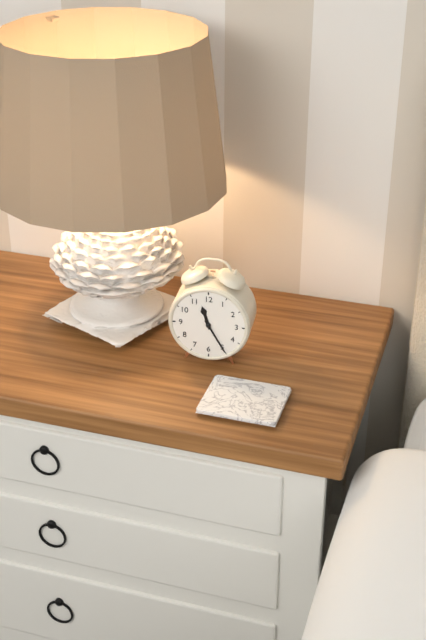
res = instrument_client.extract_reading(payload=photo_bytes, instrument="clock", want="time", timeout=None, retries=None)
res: 11:25
